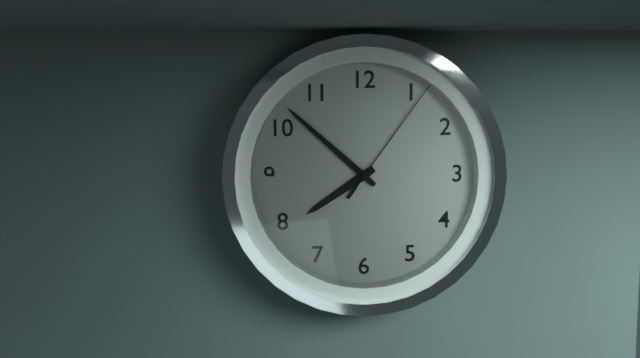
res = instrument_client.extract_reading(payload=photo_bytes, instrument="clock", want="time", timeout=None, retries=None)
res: 7:52:06
